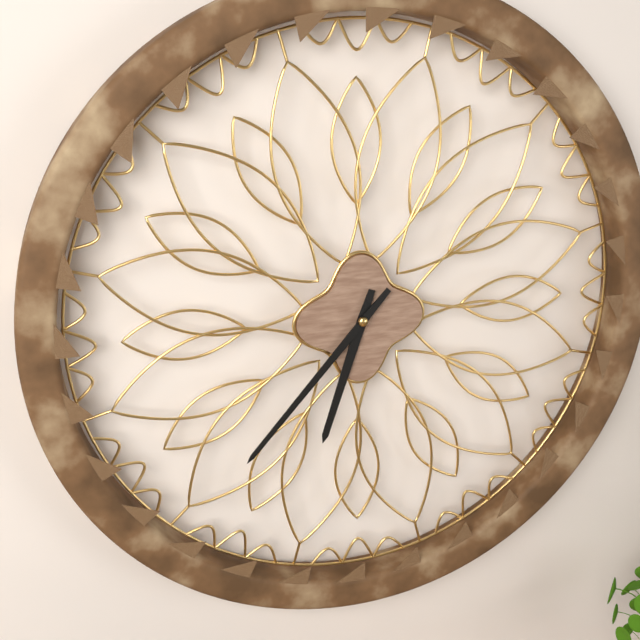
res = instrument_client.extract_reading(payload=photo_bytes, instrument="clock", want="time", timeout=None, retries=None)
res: 6:37
